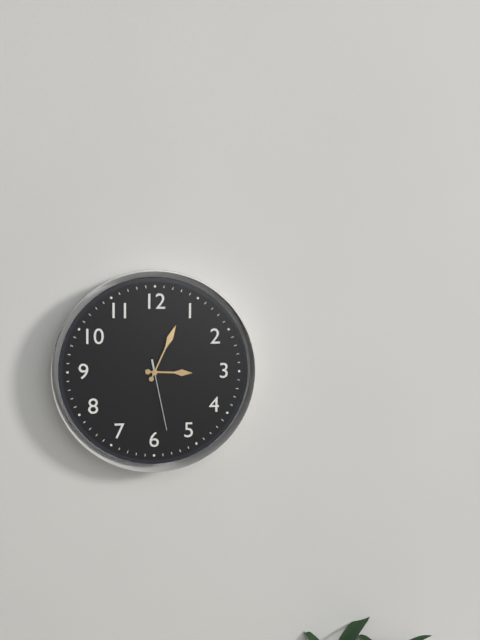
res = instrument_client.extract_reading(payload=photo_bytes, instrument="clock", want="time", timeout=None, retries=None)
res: 3:04:28
